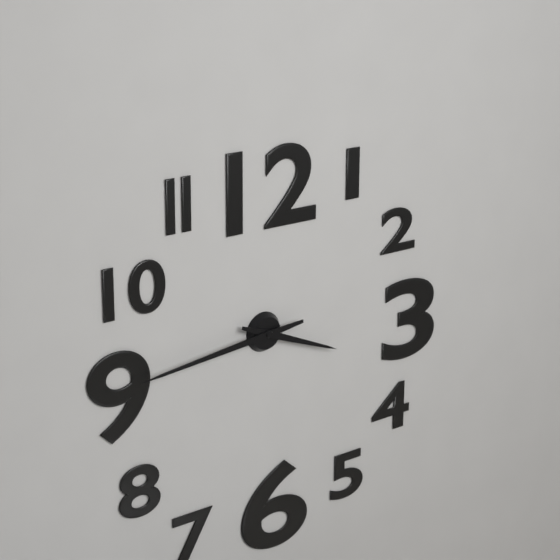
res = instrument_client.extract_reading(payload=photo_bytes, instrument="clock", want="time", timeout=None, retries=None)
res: 3:44
